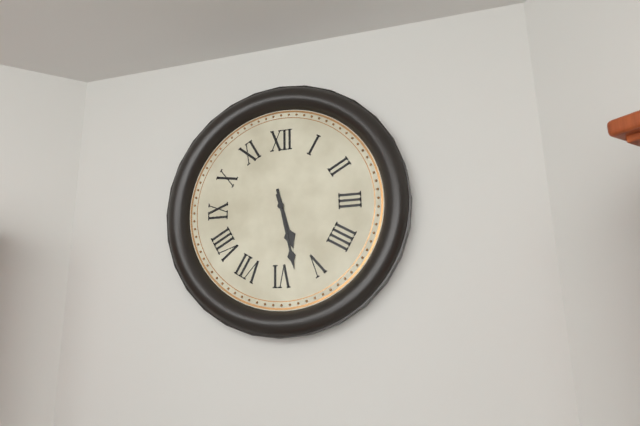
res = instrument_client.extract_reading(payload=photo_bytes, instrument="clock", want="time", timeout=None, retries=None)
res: 5:28
